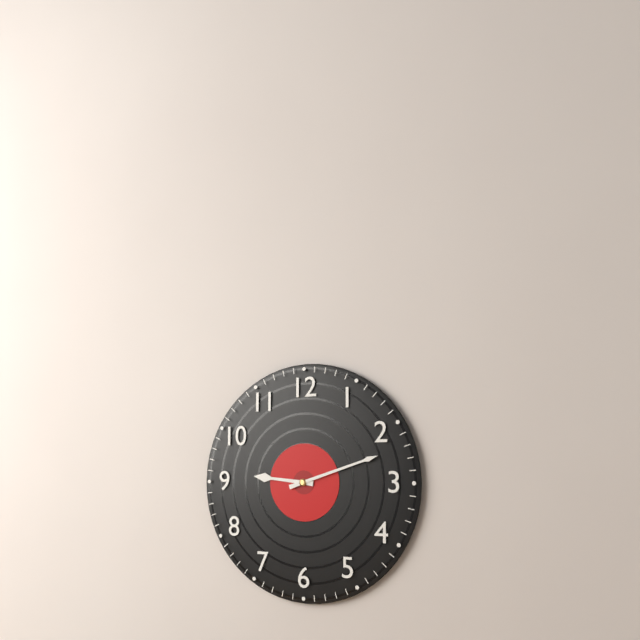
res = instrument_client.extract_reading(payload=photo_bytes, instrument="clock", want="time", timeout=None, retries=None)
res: 9:12
